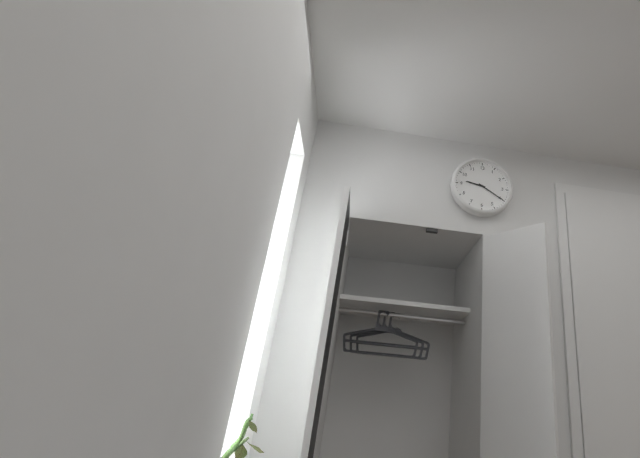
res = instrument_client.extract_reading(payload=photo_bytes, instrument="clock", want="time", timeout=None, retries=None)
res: 9:20
